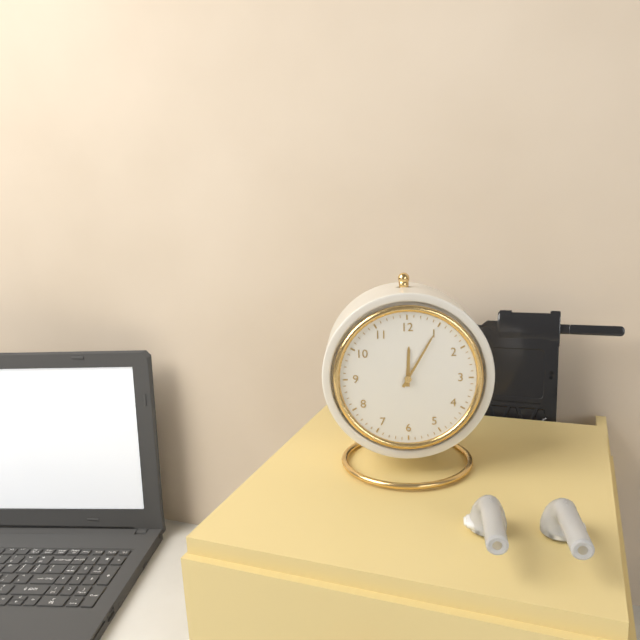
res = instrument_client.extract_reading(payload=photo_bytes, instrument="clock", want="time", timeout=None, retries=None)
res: 12:05
